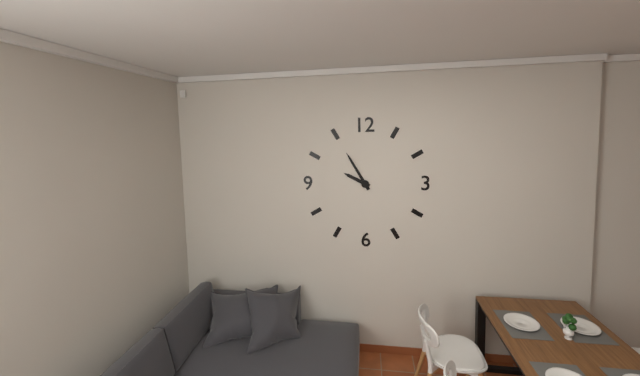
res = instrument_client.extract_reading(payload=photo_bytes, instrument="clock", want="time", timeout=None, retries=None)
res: 9:55
